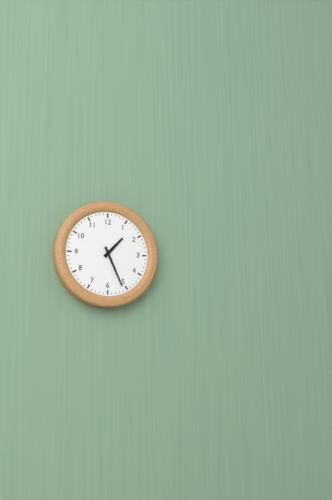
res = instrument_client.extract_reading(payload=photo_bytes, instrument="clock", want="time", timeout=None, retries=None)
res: 1:26
